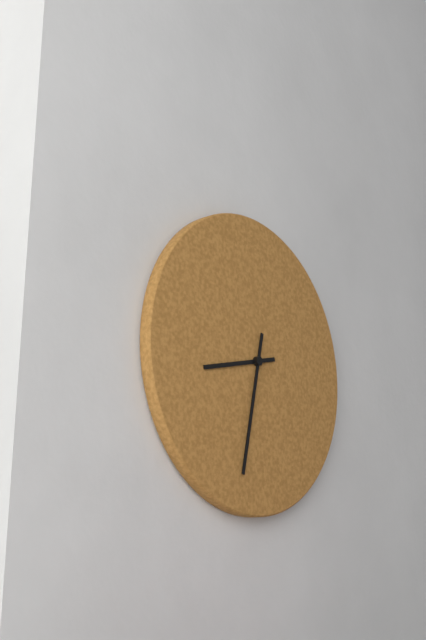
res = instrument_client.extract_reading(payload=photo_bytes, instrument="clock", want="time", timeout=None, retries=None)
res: 8:32
